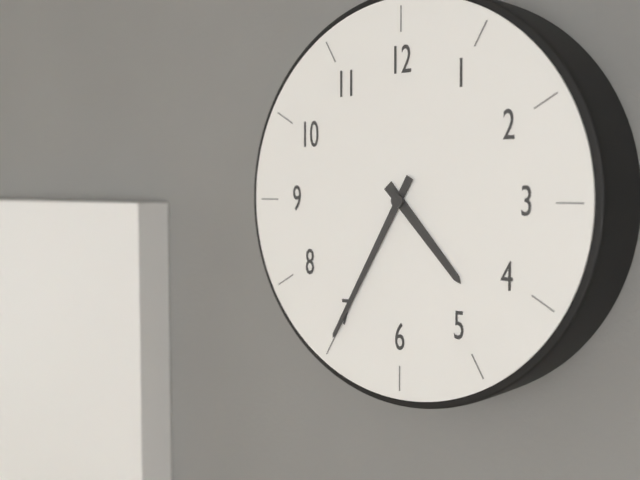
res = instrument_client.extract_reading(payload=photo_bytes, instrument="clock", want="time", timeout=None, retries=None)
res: 4:35
